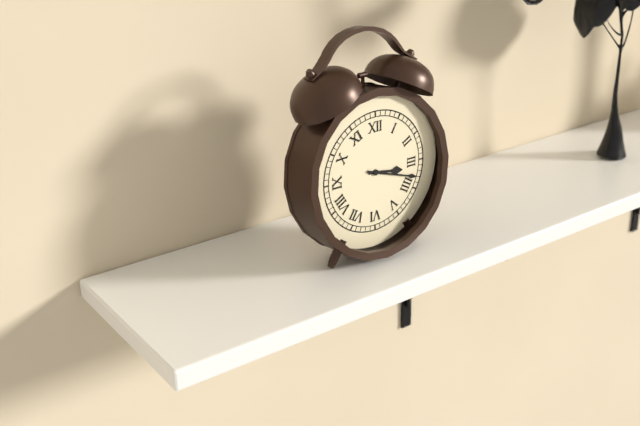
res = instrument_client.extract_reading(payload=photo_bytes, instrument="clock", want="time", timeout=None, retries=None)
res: 3:18
